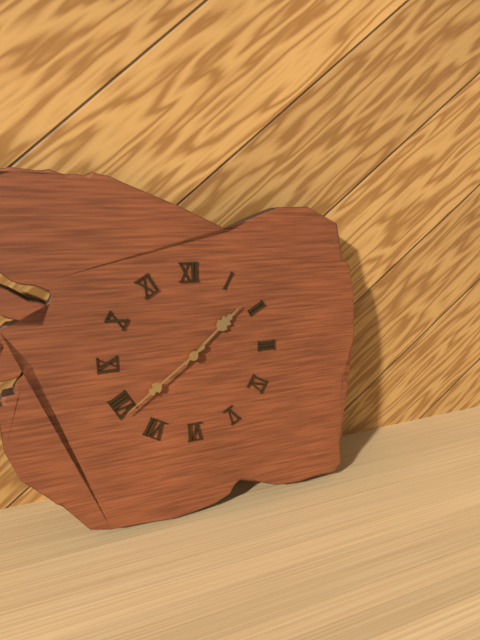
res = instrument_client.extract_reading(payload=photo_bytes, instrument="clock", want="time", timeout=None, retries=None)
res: 1:39
